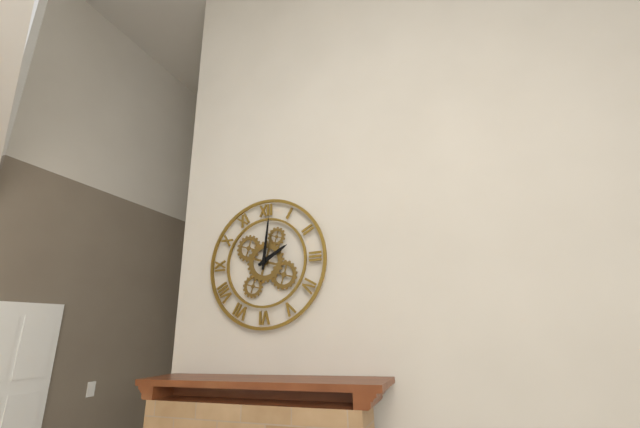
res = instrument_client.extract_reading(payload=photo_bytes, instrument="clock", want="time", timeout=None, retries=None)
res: 2:01
